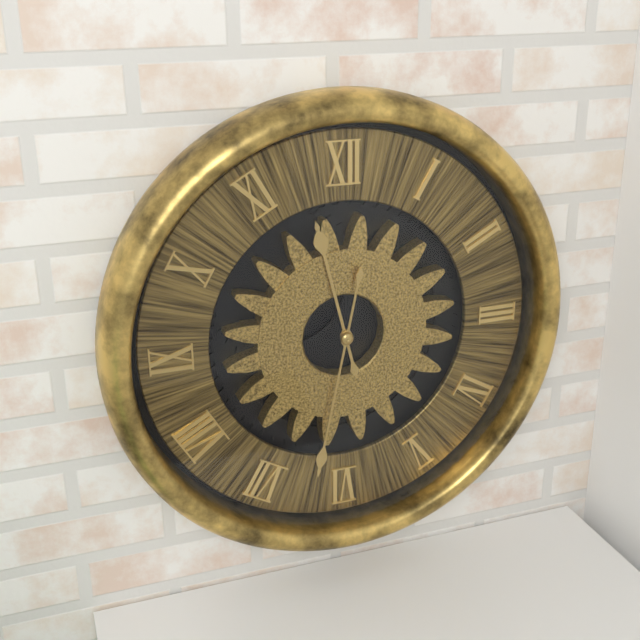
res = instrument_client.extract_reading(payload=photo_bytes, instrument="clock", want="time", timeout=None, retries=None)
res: 11:32
